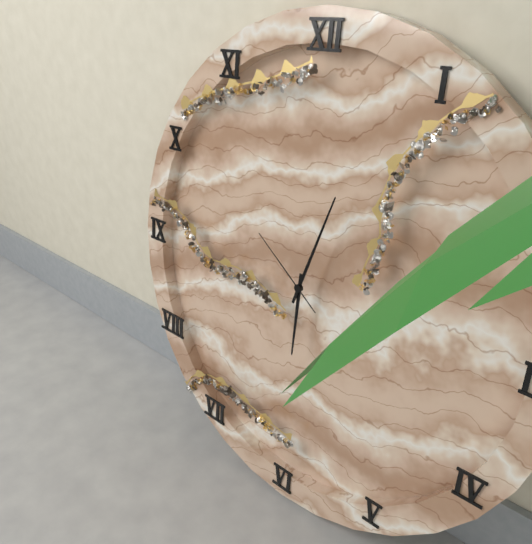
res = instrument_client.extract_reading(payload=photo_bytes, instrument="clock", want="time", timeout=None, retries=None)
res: 6:03:51
